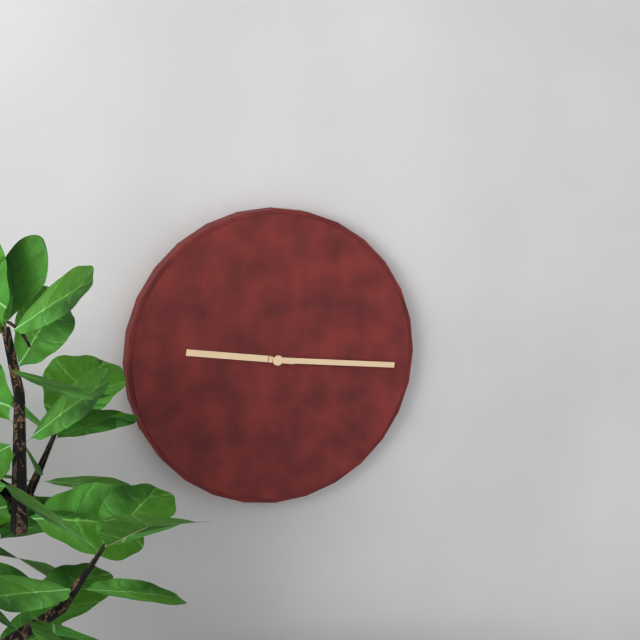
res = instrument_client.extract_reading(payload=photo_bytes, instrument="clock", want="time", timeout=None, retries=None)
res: 9:16
